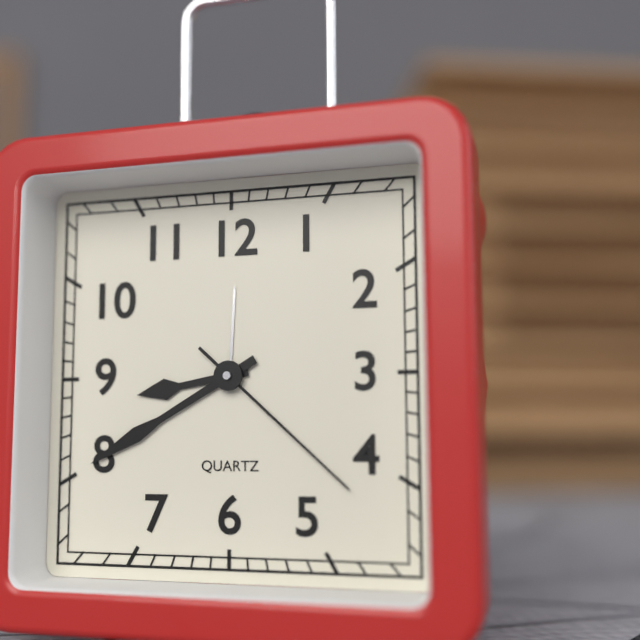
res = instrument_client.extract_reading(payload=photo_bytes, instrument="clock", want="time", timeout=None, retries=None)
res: 8:40:22
